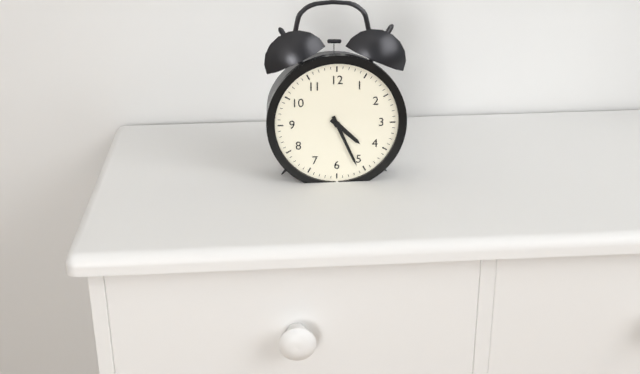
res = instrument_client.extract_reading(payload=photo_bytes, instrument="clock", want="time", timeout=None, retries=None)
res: 4:26
